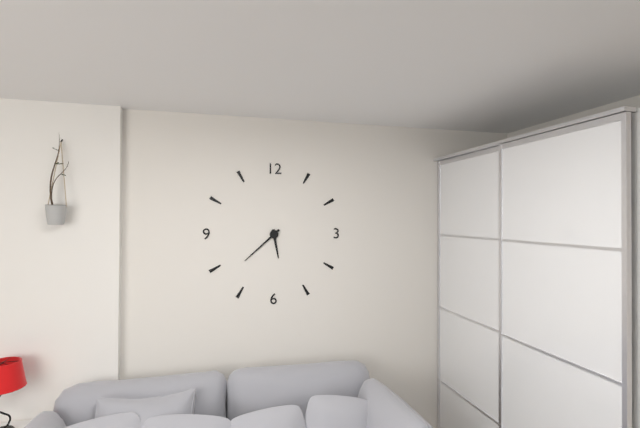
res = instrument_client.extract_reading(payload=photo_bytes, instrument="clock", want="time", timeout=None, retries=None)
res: 5:38
